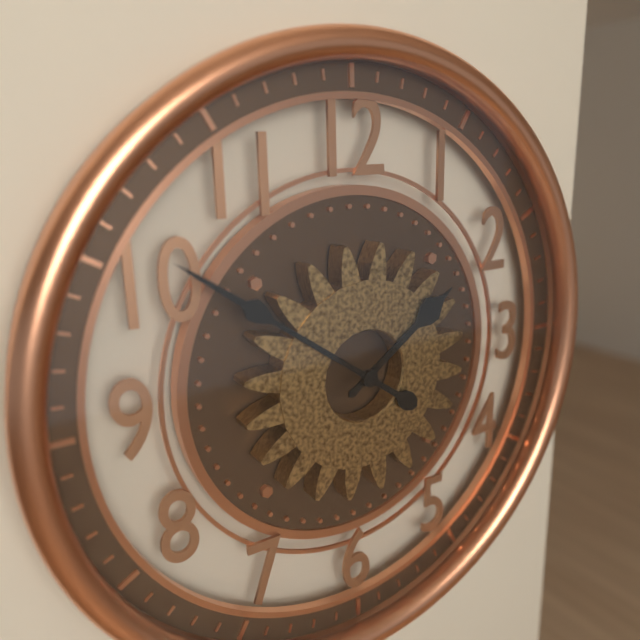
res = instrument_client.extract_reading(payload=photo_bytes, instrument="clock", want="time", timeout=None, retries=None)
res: 1:51
